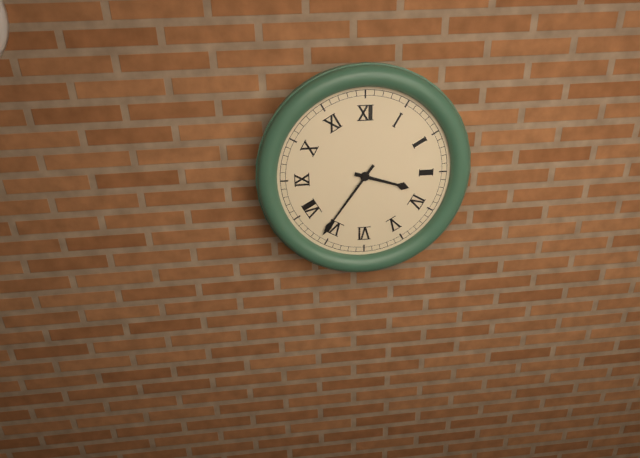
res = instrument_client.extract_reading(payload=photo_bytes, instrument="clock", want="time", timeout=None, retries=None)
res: 3:36
